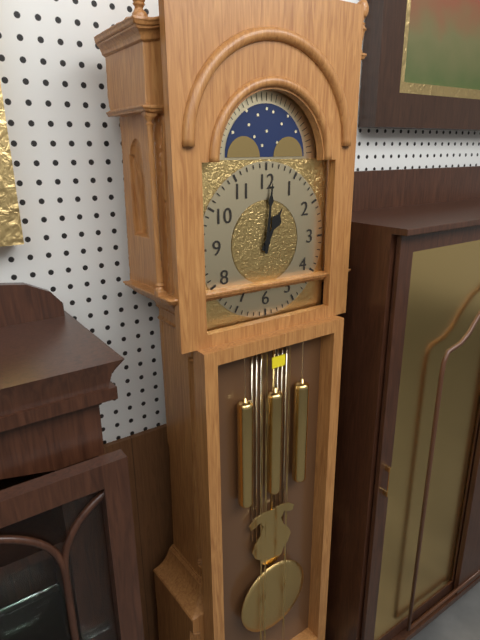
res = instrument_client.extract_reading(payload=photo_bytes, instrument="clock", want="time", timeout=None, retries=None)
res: 1:01
